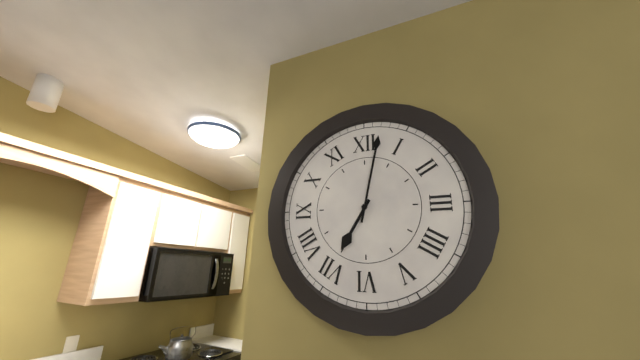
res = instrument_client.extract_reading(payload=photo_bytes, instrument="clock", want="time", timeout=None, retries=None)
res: 7:02
